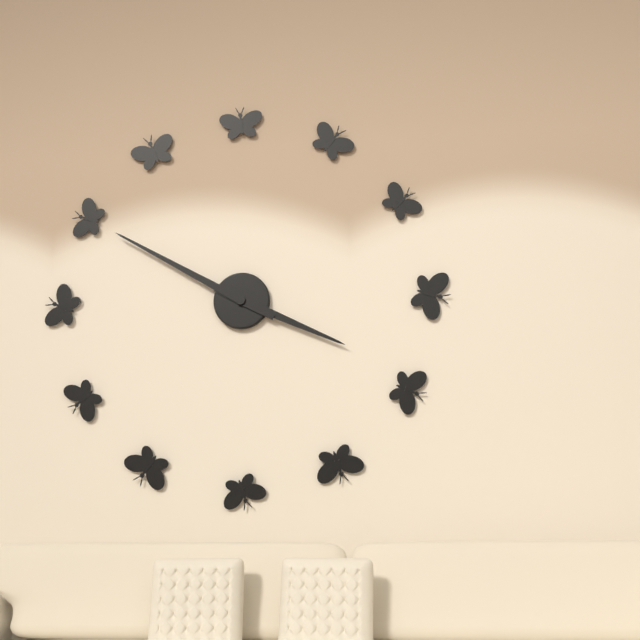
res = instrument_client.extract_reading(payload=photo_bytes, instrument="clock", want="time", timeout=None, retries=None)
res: 3:50
